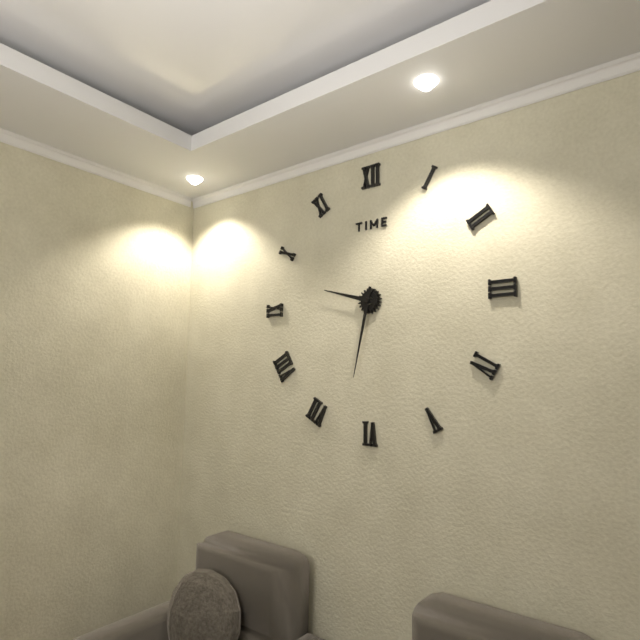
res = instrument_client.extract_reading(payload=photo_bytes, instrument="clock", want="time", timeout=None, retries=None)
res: 9:32
